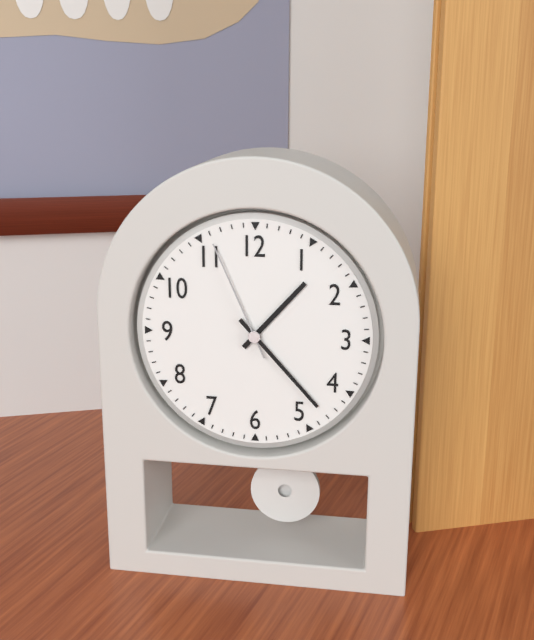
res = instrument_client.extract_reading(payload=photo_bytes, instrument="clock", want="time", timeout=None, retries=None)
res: 1:23:56
